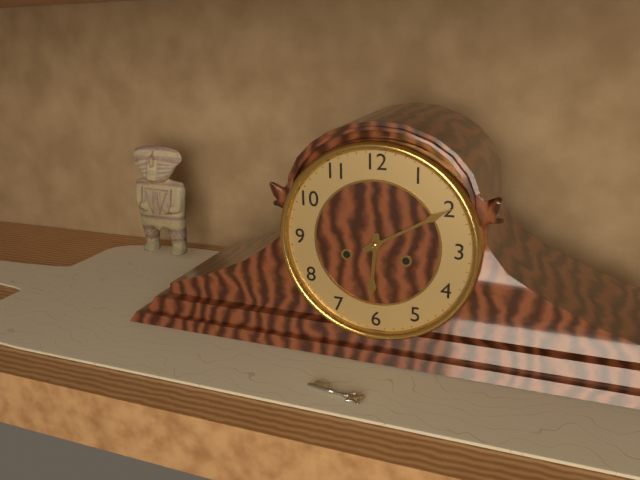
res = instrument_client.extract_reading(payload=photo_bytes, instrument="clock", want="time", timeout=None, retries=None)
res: 6:10
